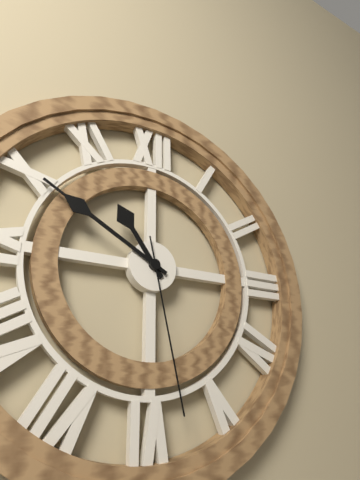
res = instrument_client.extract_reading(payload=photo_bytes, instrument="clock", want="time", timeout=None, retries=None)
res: 10:50:28
